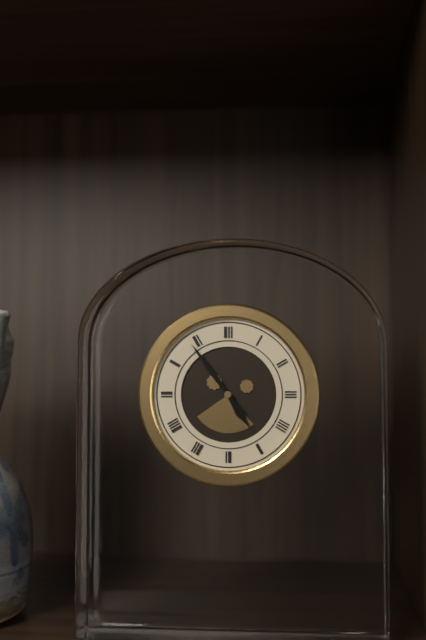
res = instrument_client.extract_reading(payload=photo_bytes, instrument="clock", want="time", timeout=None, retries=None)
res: 4:54
